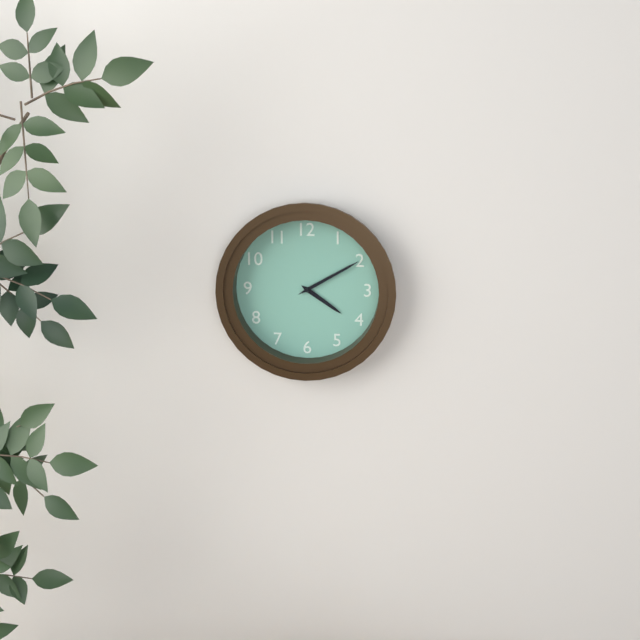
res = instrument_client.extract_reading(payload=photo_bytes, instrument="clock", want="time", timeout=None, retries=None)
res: 4:10
